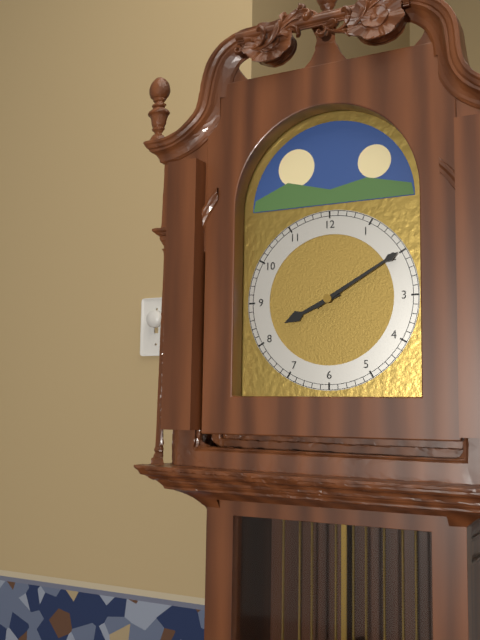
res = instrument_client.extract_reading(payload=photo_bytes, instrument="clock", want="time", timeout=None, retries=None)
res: 8:10
